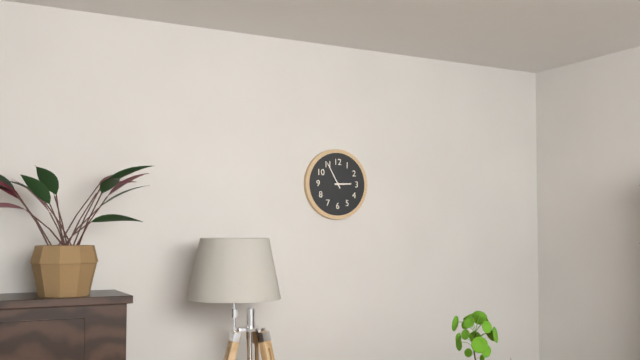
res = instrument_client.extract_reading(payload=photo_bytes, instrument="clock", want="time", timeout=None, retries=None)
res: 2:55
